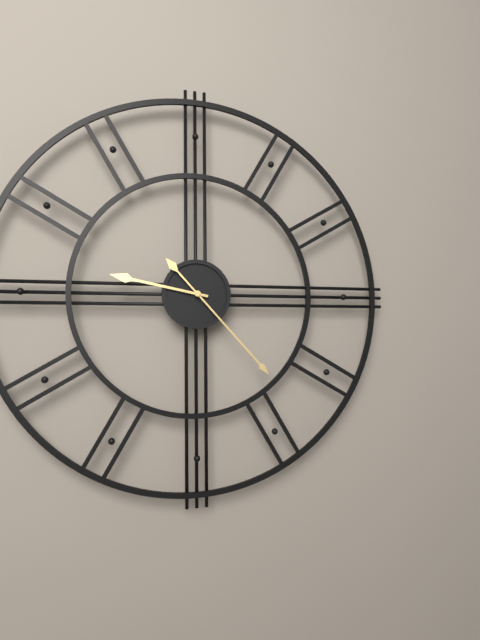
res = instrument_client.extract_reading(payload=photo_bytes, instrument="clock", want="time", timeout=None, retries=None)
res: 9:23
